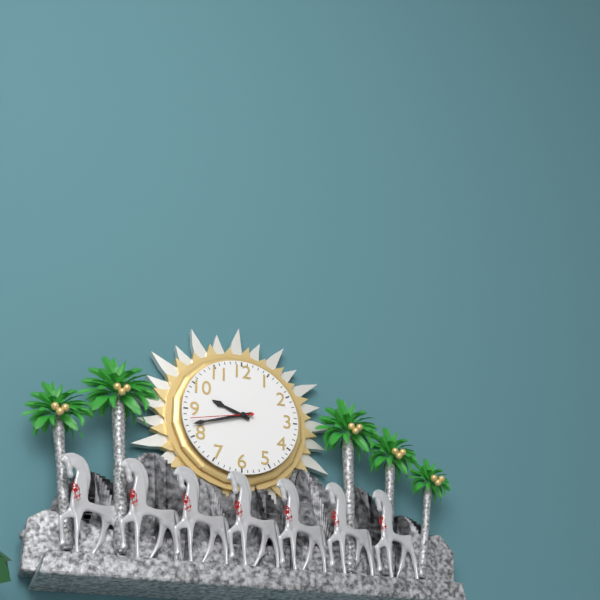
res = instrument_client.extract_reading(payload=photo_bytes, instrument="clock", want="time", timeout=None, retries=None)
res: 9:42:43
